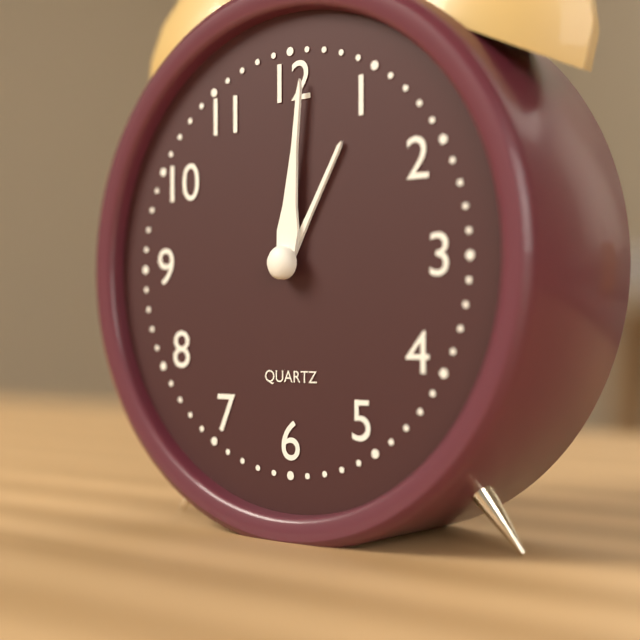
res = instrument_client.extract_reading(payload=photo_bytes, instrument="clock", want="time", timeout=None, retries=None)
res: 1:01
